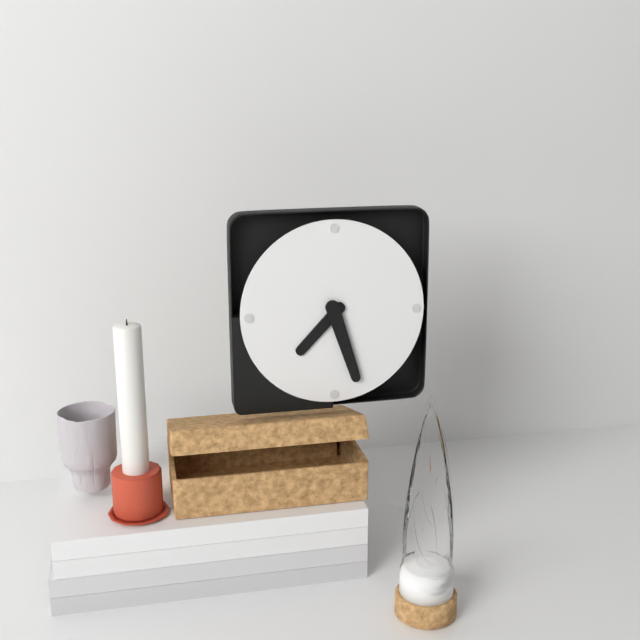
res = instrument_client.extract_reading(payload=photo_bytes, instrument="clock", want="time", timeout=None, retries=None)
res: 7:27
